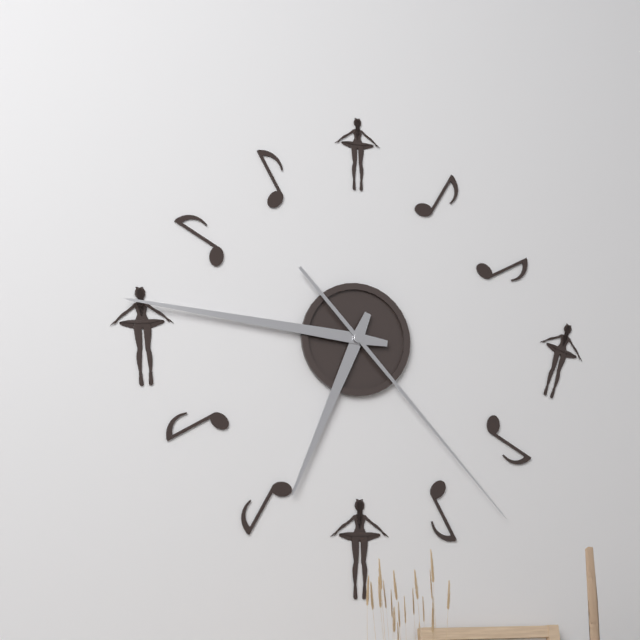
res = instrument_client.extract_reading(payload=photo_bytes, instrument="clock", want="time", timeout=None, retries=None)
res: 6:46:23
